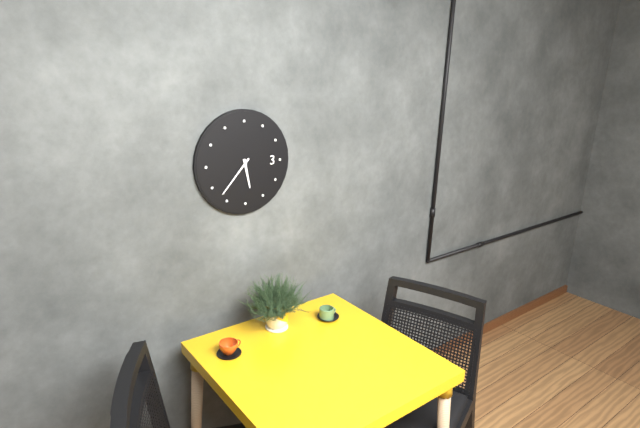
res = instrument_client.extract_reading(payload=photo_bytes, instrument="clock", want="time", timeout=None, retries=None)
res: 5:37
